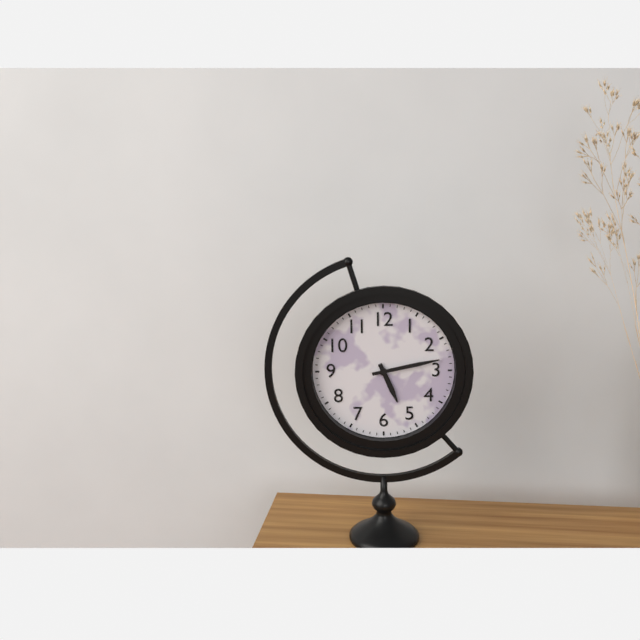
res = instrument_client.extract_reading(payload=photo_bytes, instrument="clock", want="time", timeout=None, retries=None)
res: 5:13
